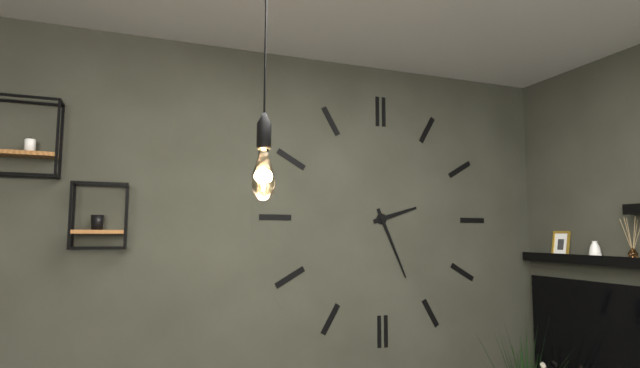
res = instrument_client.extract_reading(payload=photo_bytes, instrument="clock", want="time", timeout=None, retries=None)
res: 2:26
